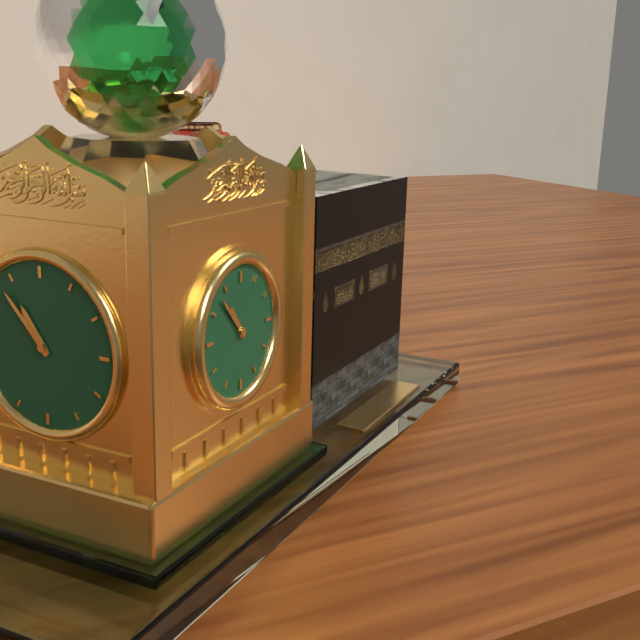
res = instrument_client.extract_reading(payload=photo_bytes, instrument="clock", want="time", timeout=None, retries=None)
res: 10:53
